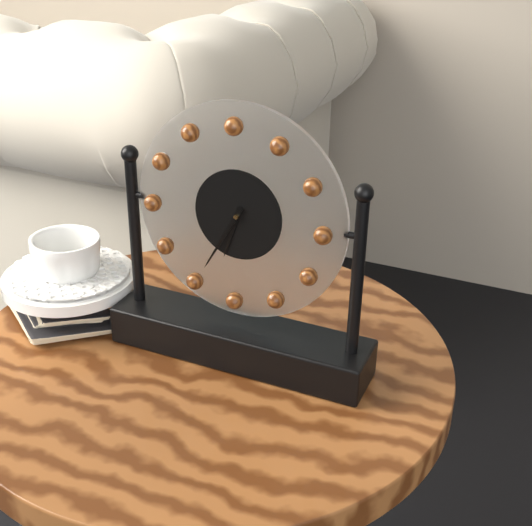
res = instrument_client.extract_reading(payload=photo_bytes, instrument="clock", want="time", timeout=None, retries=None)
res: 6:35
